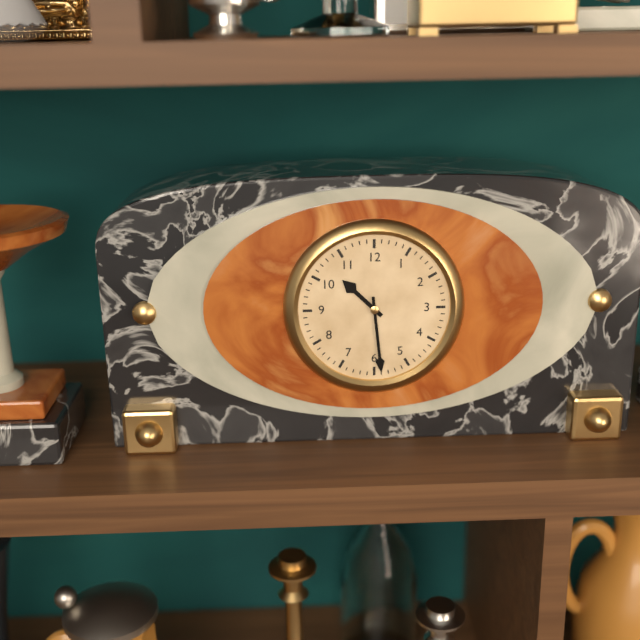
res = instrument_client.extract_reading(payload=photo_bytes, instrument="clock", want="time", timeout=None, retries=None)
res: 10:29
